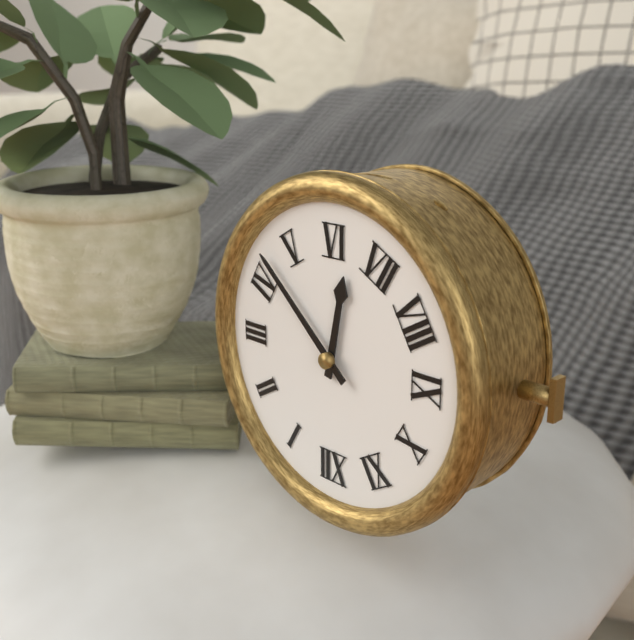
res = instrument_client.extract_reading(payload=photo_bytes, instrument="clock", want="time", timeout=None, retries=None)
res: 6:22
